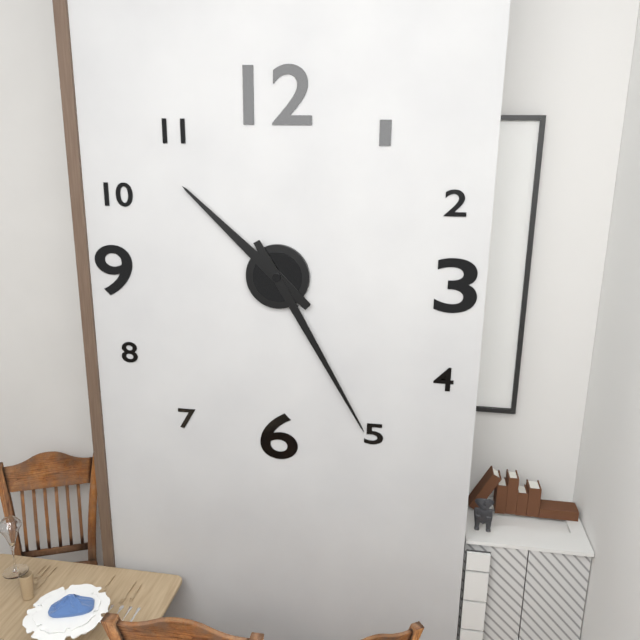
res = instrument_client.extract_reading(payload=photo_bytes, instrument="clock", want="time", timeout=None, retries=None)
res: 10:25
